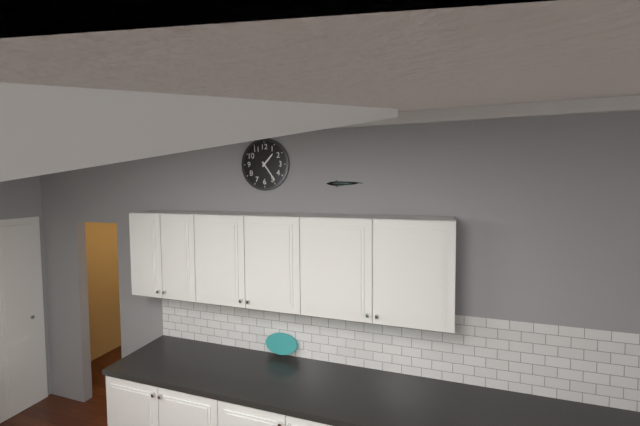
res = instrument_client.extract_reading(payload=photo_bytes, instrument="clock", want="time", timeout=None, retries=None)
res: 1:24
